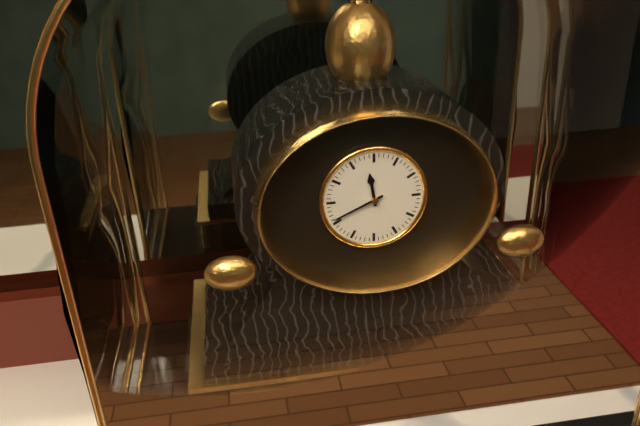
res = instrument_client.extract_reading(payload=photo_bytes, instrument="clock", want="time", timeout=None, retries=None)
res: 11:41
